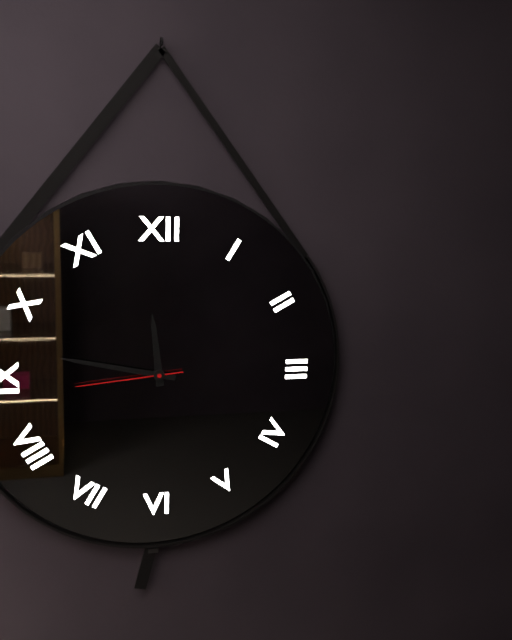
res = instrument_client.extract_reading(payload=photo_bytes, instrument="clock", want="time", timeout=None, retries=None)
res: 11:47:44
